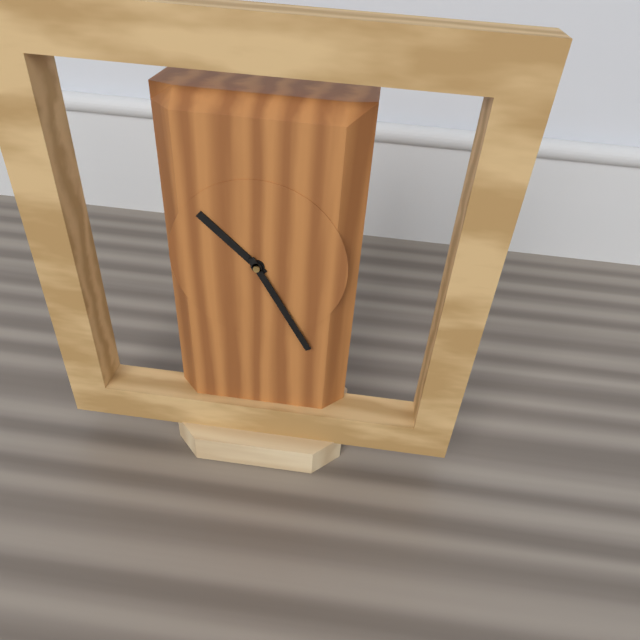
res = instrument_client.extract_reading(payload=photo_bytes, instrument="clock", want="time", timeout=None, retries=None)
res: 10:25
